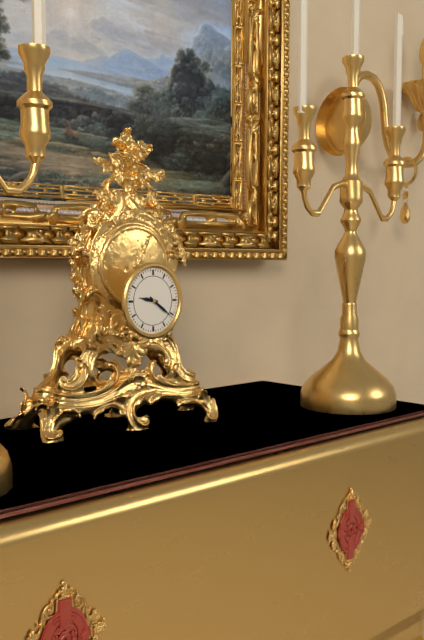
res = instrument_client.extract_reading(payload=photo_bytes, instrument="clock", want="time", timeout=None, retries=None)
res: 9:21
